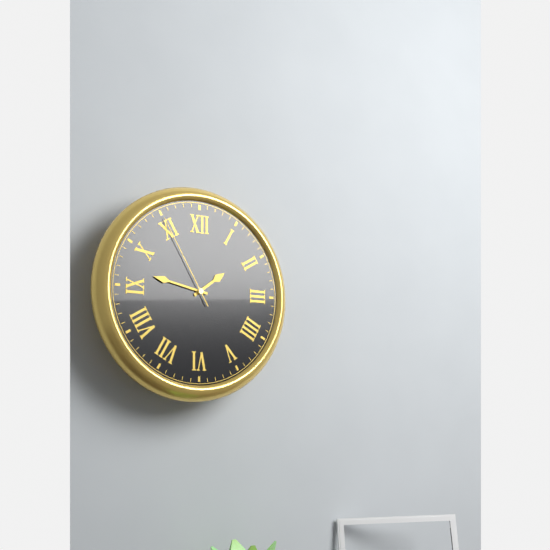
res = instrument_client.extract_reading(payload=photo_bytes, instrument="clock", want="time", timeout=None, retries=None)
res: 1:47:55
